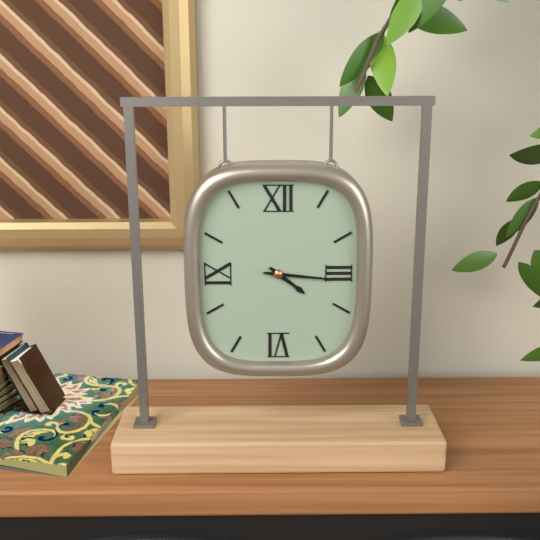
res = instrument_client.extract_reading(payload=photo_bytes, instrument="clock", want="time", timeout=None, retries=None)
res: 4:16
